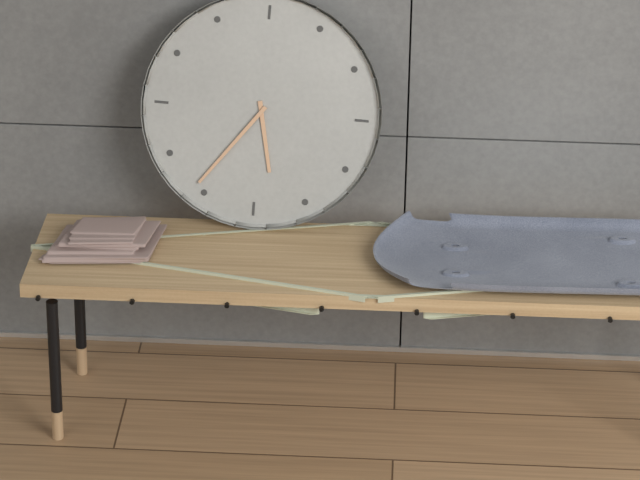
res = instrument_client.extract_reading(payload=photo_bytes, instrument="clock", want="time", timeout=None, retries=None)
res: 5:36
